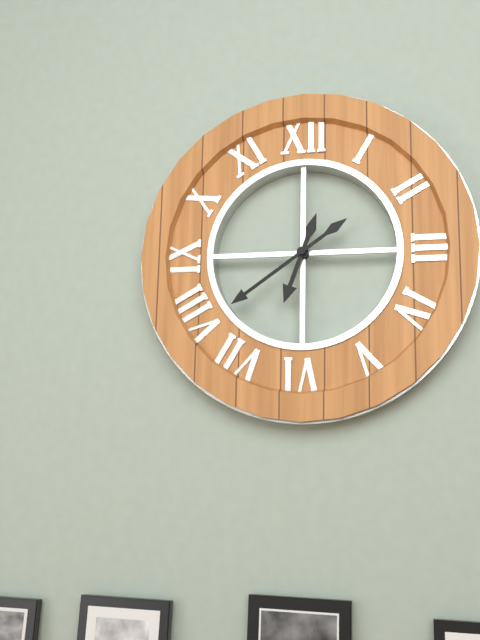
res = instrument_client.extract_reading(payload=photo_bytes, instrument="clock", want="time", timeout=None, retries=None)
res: 6:39
